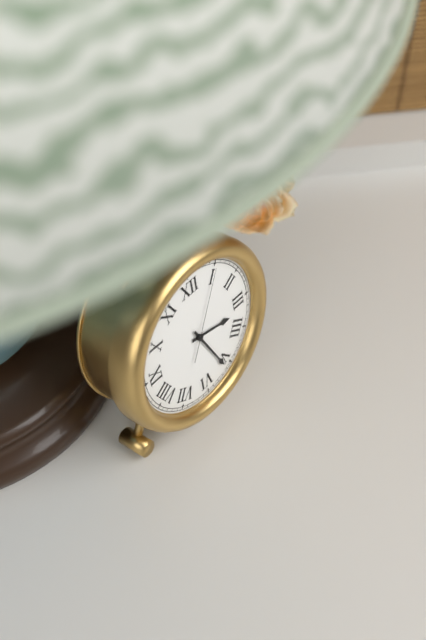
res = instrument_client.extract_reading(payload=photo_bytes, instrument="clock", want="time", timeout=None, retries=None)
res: 3:26:05
